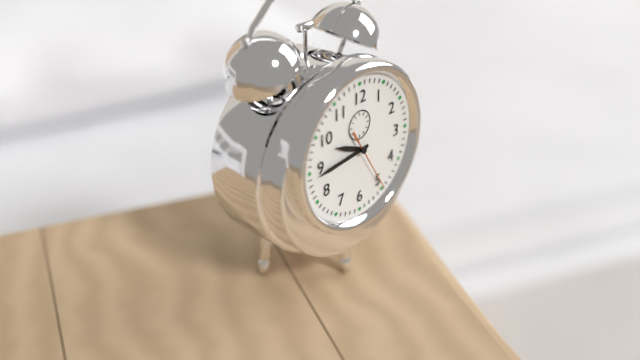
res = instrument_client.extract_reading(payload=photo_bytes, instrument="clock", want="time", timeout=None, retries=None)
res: 9:44:25
